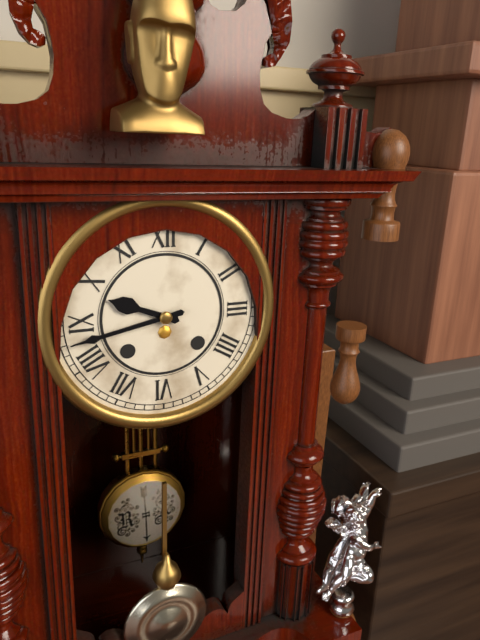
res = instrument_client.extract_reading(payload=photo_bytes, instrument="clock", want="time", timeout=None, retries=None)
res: 9:43
